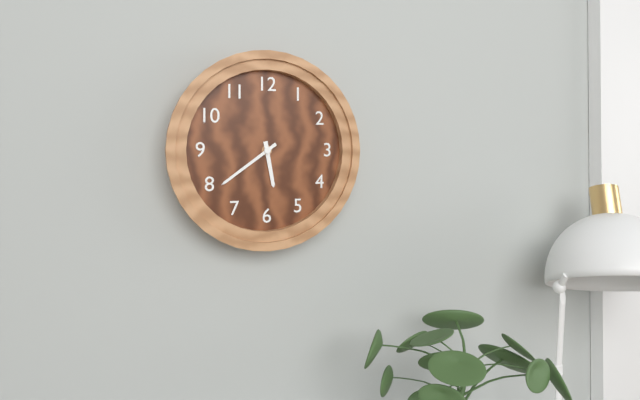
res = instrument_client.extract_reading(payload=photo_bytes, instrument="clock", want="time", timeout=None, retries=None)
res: 5:39
